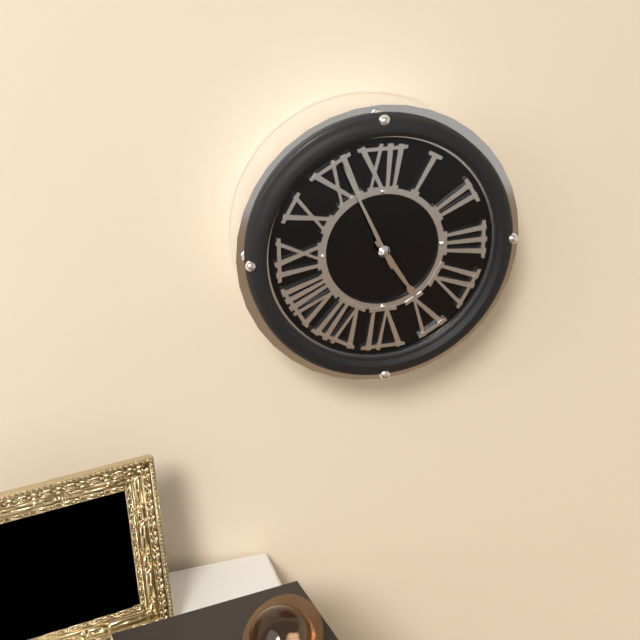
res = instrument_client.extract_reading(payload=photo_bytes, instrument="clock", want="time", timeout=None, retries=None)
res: 4:56
